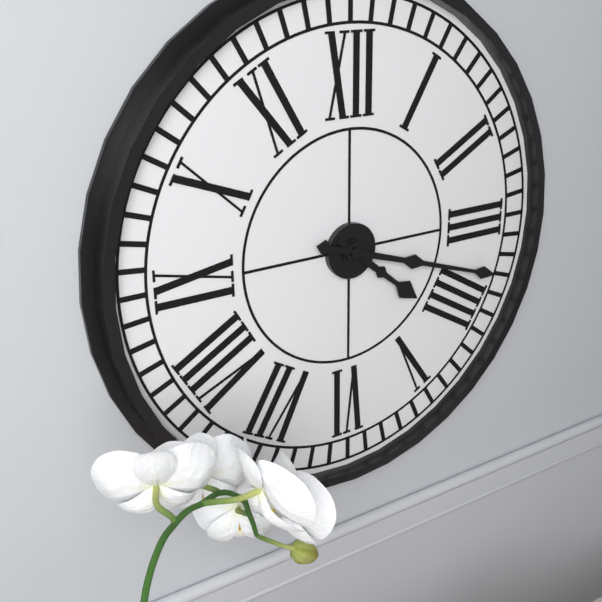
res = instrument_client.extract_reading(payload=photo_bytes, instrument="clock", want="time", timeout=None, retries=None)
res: 4:18
